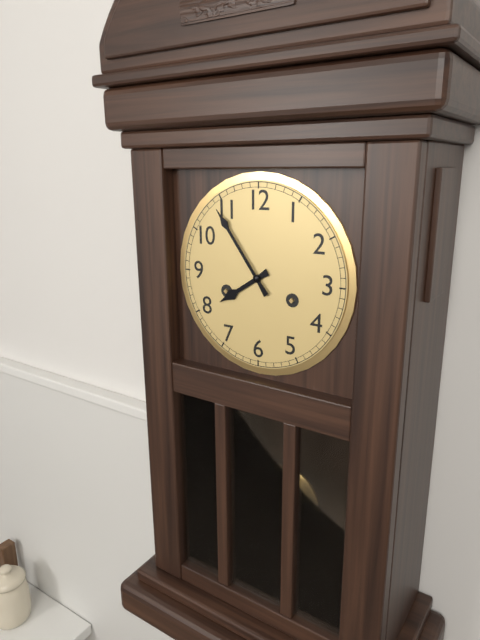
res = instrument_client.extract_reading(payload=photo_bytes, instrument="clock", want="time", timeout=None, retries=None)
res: 7:54
